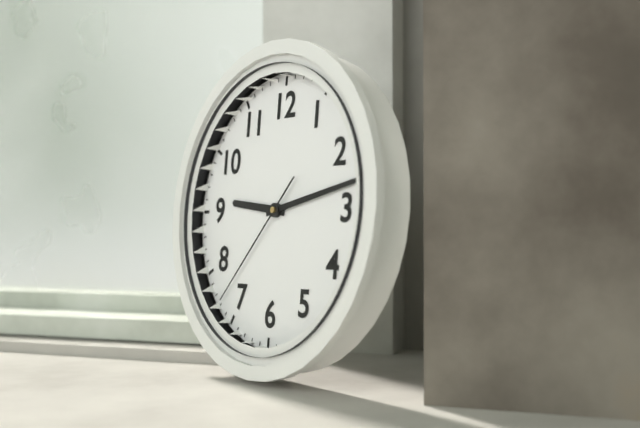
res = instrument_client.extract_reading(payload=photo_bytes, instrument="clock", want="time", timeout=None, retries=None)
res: 9:13:37
